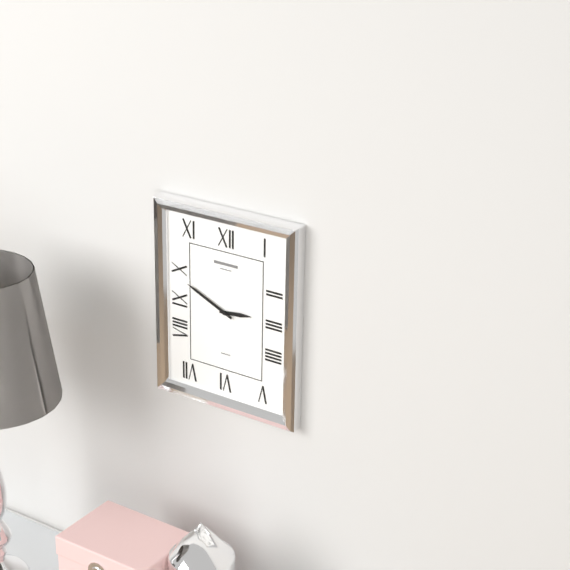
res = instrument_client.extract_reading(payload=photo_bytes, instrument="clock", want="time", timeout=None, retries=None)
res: 2:49
